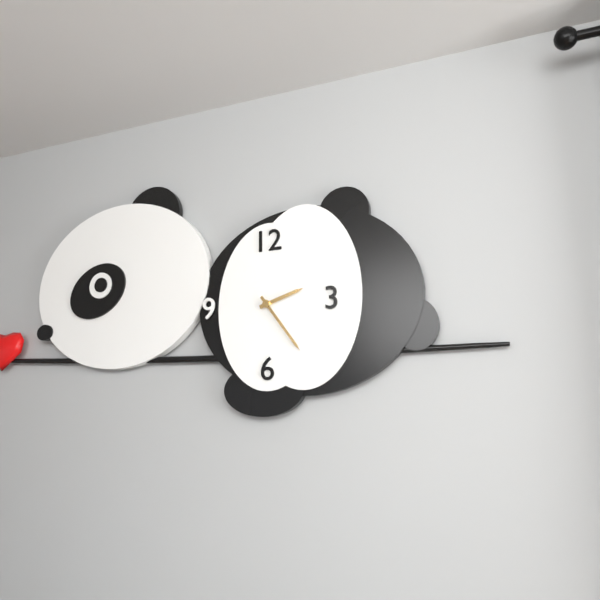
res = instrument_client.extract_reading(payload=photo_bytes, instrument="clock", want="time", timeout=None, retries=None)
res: 2:24
